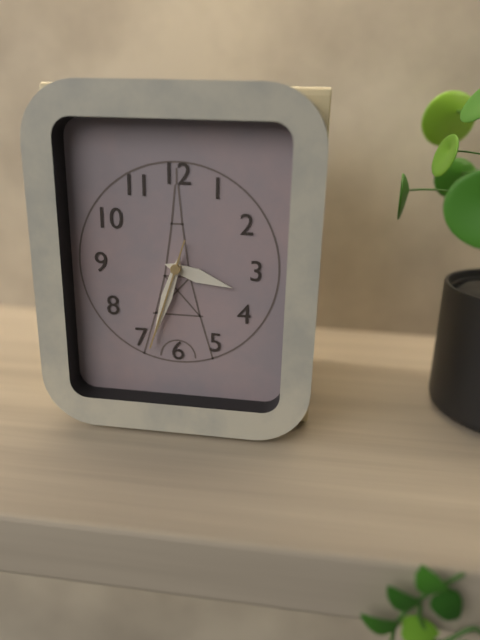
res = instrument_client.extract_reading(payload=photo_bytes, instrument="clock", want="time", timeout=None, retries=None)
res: 3:33:33
